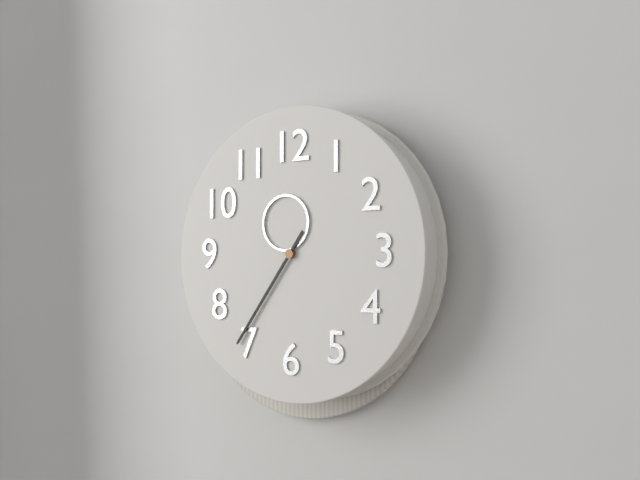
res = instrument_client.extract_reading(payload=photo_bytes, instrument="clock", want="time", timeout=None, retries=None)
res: 11:36
